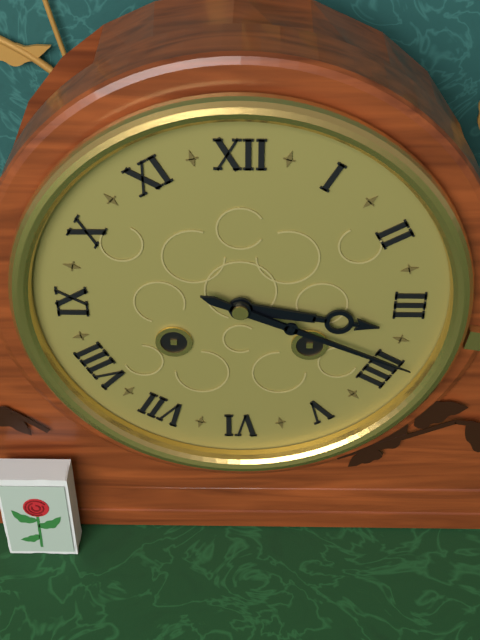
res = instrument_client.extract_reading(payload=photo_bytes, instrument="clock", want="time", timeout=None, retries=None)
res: 3:19
